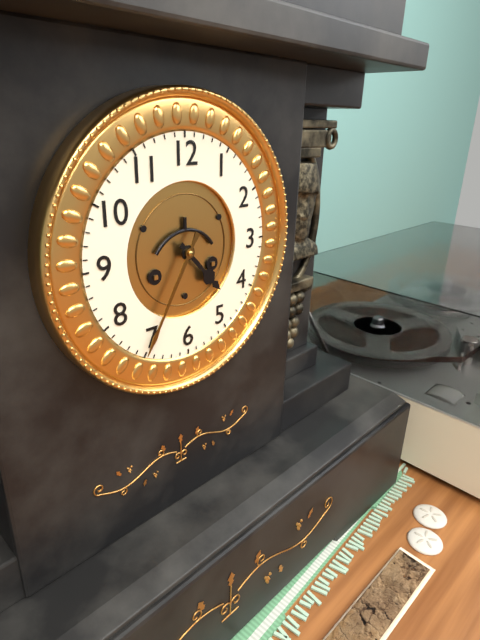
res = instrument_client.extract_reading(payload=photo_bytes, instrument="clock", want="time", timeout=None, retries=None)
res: 4:35
